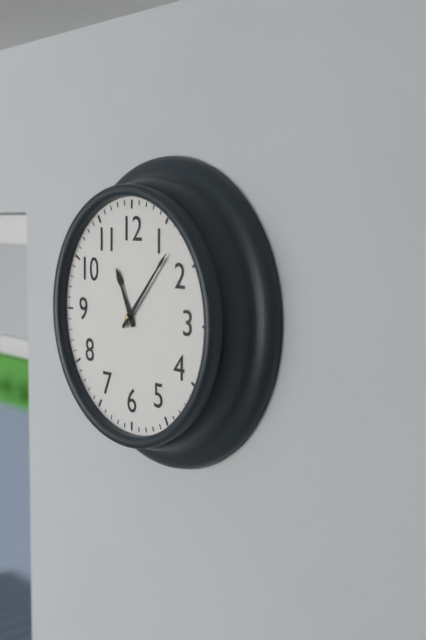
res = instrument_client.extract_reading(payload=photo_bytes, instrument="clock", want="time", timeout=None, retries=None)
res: 11:07
